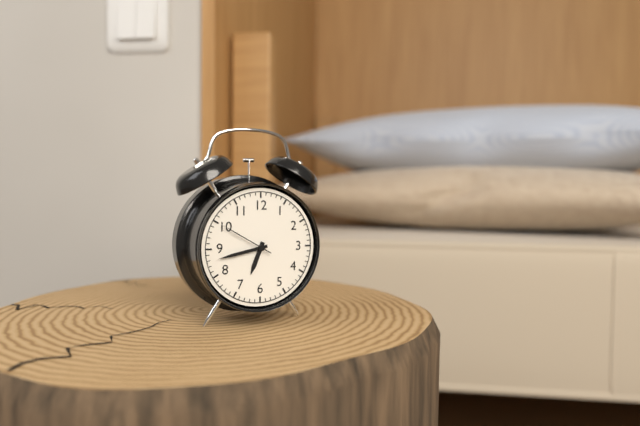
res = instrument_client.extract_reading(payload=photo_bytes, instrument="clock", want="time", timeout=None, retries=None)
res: 6:43:50
